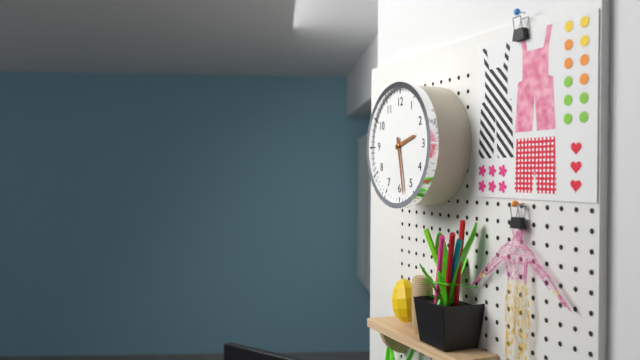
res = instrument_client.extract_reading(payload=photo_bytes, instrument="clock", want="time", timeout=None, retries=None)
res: 2:28
